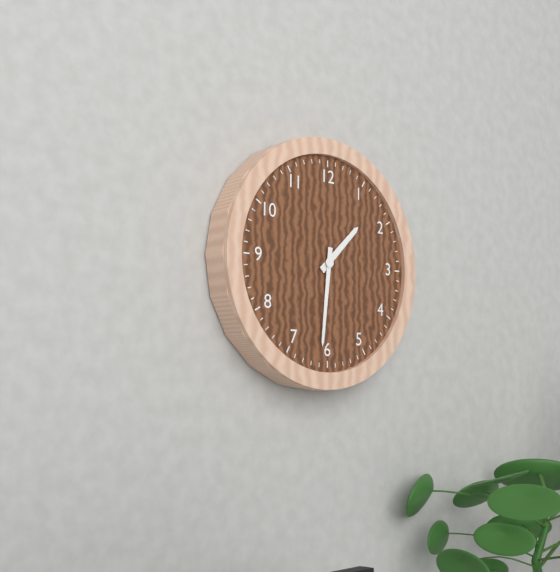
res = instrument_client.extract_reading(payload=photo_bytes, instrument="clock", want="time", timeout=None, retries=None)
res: 1:31
